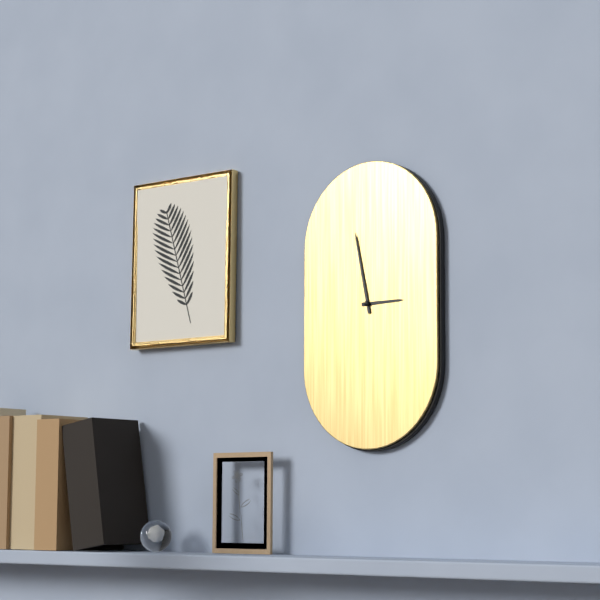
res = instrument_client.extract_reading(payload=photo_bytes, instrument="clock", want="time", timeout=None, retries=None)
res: 2:58
